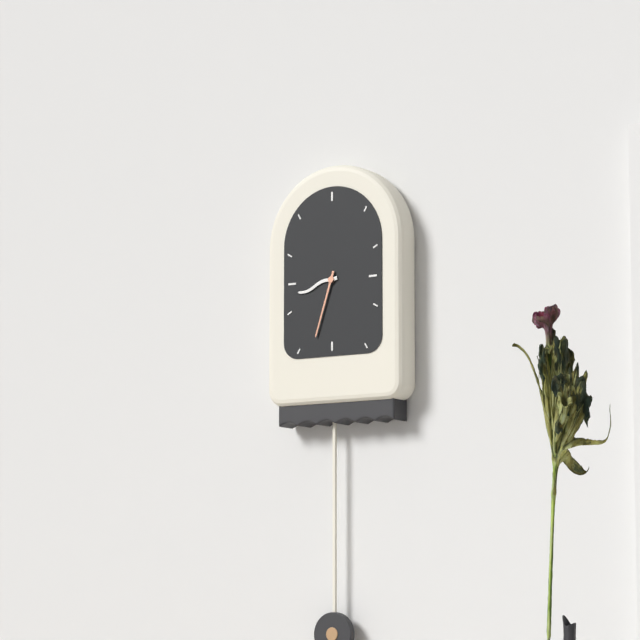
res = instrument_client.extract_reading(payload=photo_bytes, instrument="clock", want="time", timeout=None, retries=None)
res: 8:33
